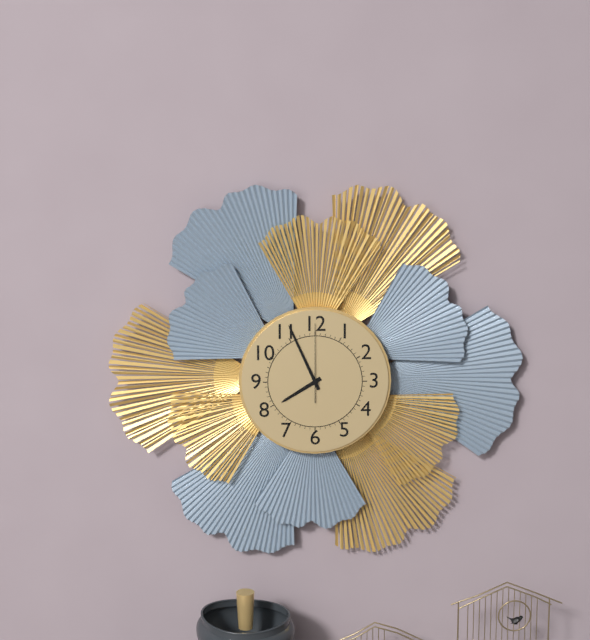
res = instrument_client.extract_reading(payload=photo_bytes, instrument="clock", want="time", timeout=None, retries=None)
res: 7:56:00
